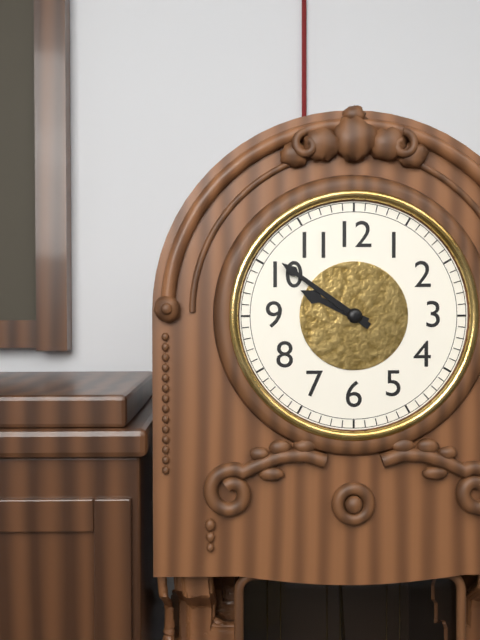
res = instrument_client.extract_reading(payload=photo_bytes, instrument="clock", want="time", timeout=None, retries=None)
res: 9:51
